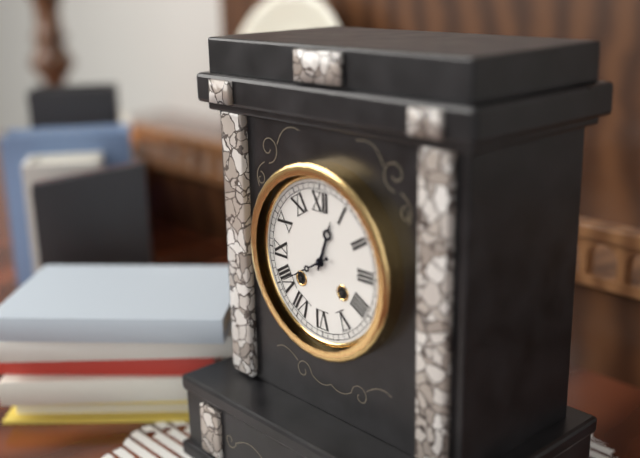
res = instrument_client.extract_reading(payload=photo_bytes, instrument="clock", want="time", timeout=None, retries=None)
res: 12:40
